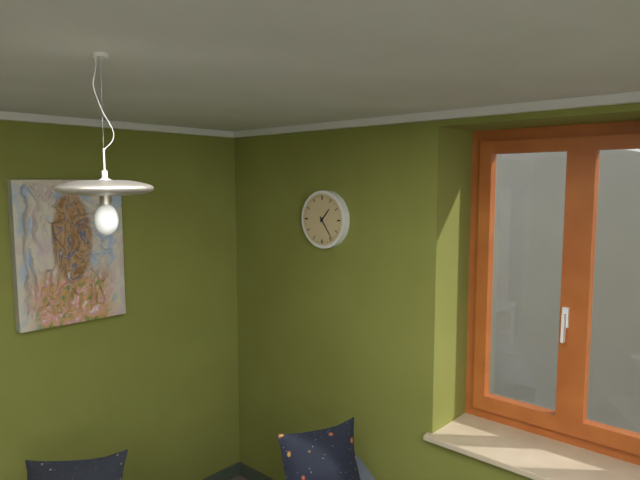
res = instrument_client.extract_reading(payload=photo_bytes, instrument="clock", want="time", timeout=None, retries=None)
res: 1:24
